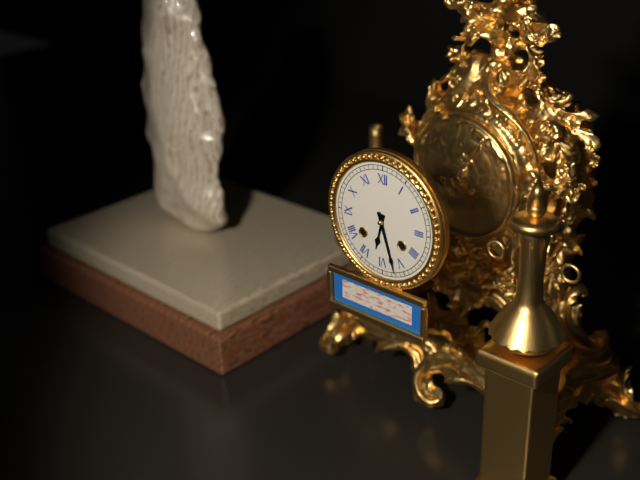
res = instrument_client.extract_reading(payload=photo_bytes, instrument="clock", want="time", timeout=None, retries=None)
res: 6:27
